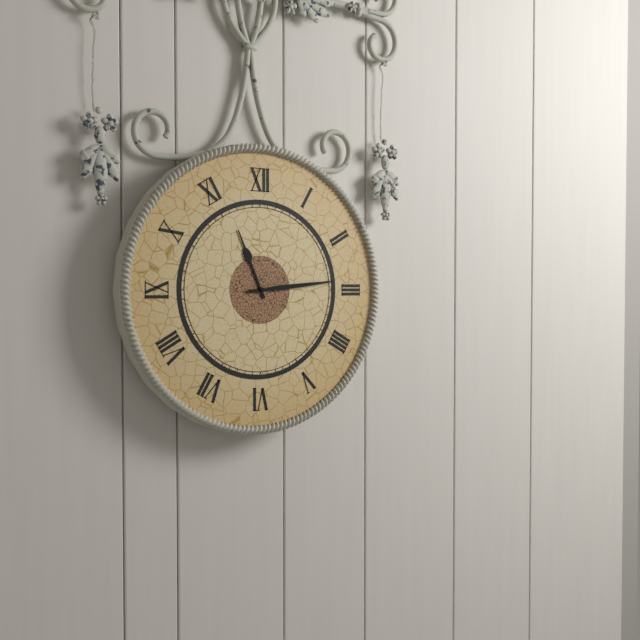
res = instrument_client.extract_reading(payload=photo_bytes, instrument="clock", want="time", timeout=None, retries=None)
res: 11:14
